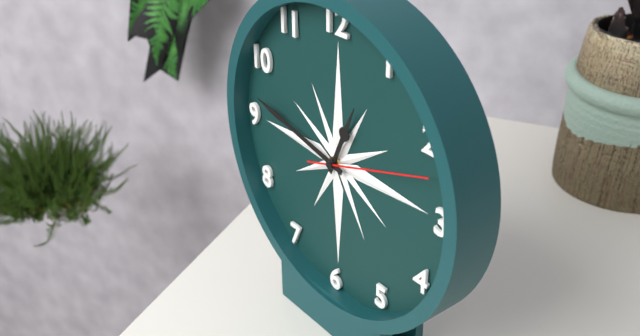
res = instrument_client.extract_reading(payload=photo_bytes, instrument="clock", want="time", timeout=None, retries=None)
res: 12:47:12
